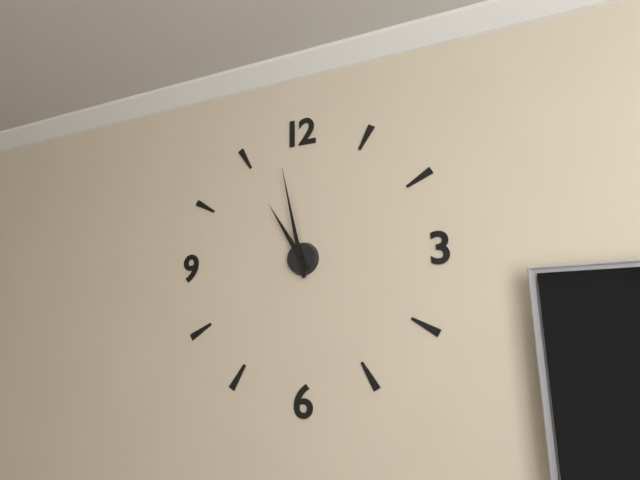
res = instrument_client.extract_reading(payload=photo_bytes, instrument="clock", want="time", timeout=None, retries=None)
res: 10:58
